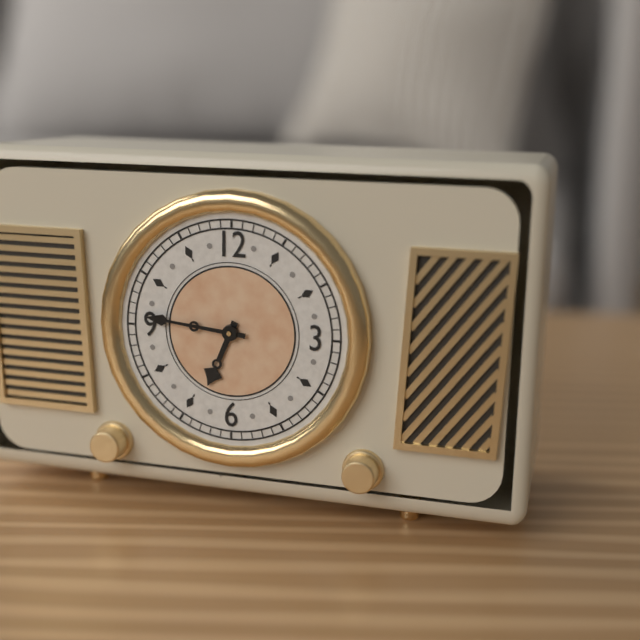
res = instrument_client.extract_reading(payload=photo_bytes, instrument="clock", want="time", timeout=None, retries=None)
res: 6:46
